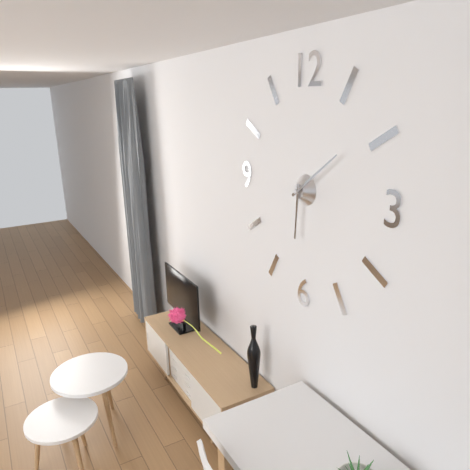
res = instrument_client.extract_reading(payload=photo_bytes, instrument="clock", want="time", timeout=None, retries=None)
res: 6:09
